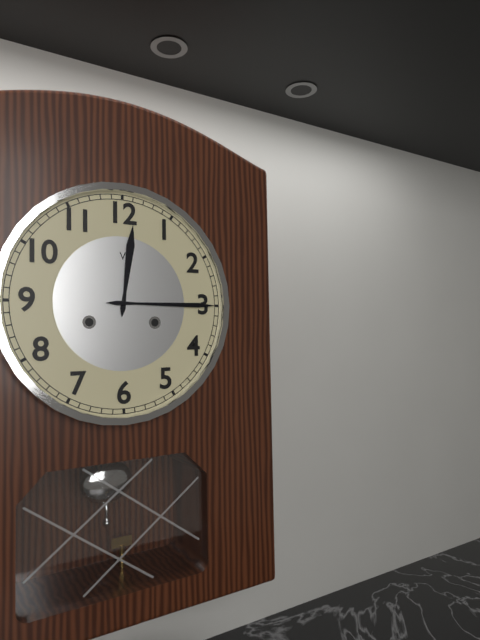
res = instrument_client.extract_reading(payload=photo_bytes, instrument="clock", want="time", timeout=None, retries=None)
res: 12:15
